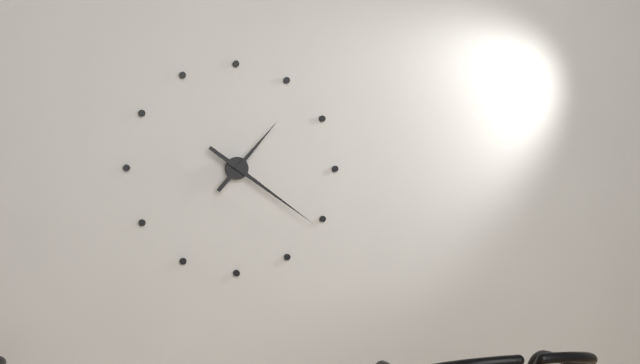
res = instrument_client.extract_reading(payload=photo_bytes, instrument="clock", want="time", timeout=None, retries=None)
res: 1:21
